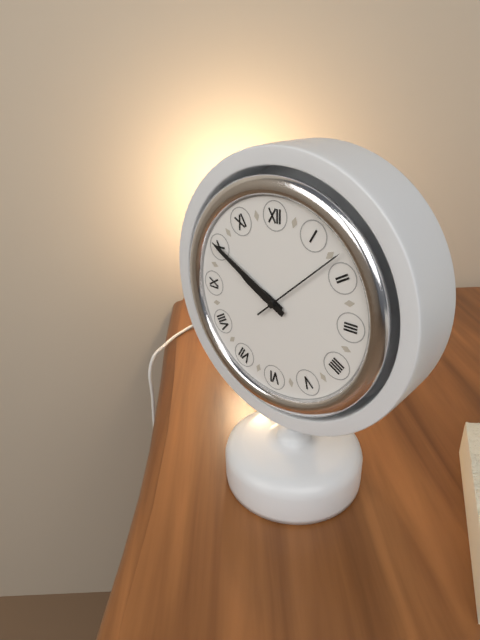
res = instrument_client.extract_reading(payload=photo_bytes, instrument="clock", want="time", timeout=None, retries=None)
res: 9:50:08
